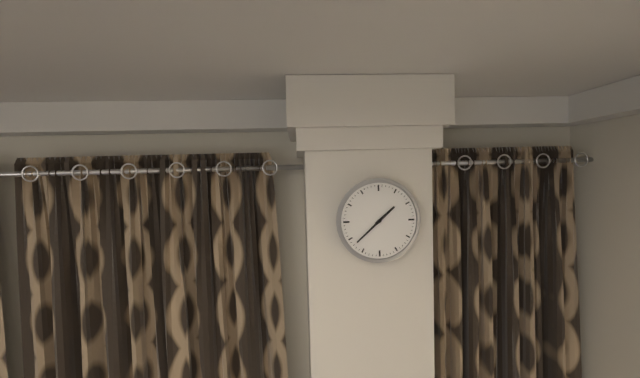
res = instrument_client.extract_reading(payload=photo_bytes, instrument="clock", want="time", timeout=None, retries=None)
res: 1:38
